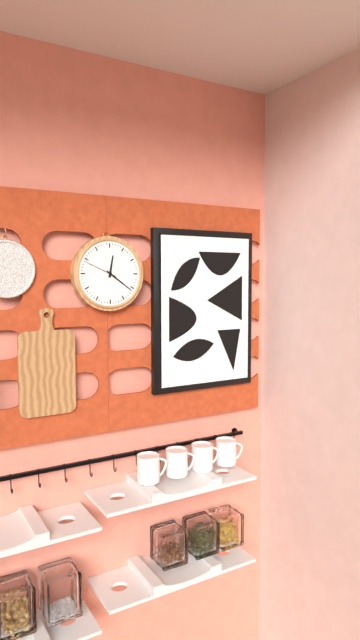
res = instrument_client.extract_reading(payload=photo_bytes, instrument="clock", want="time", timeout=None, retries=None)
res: 12:21
